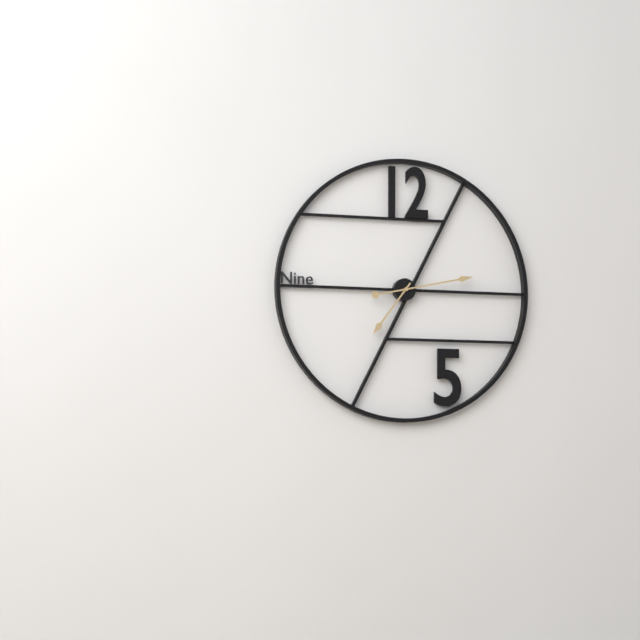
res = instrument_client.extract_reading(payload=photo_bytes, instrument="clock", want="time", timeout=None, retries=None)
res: 7:13
